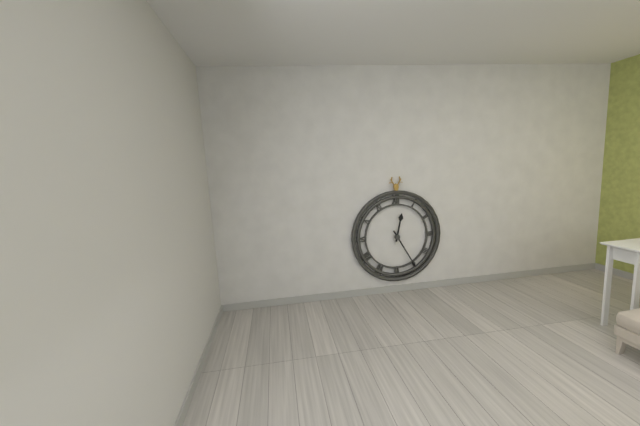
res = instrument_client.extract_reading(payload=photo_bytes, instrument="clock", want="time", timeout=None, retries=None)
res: 12:25
